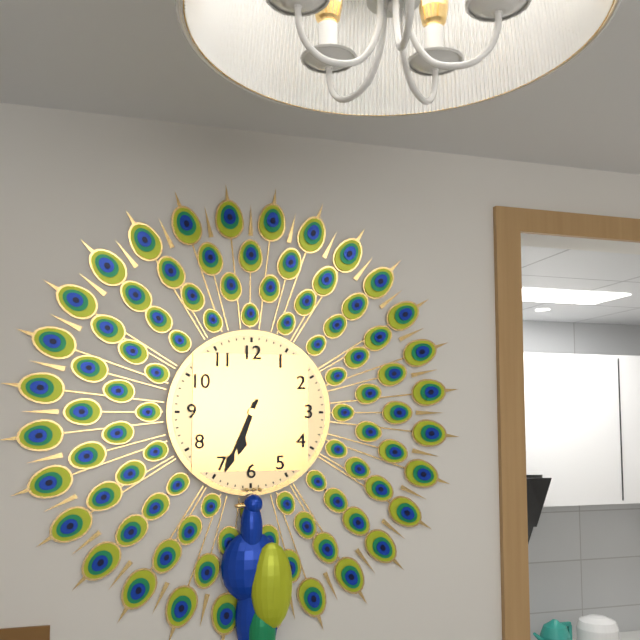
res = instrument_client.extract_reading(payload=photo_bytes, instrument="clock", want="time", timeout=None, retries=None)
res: 6:34
